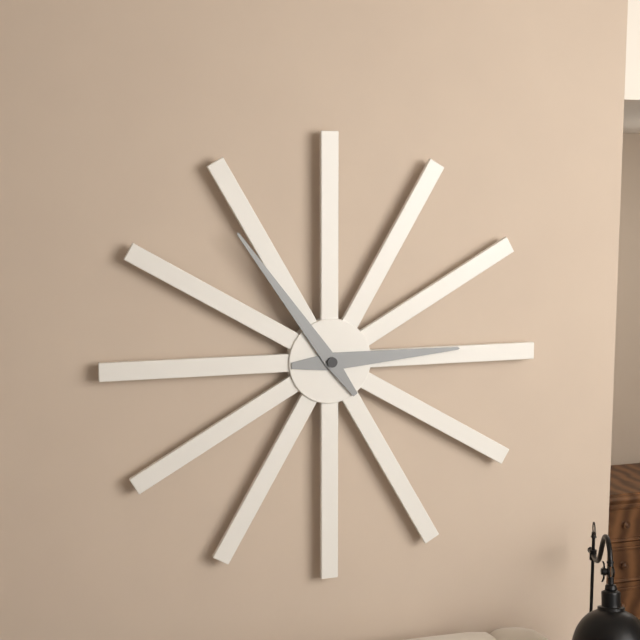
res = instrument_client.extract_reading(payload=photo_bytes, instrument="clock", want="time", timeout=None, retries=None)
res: 2:54
